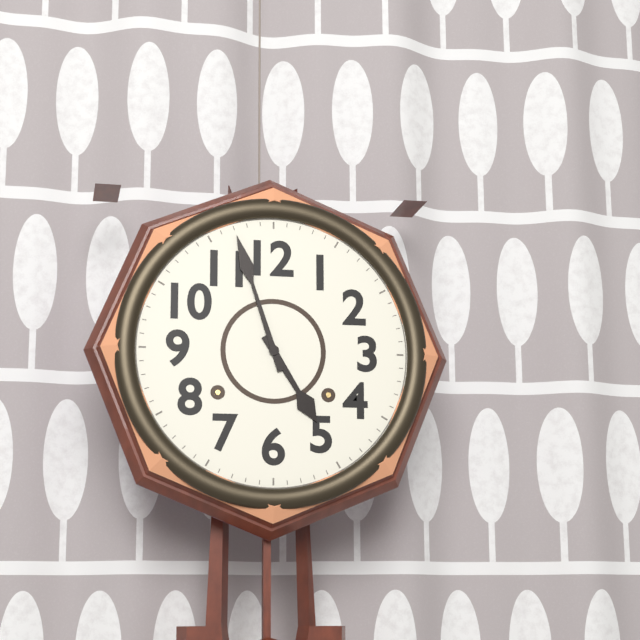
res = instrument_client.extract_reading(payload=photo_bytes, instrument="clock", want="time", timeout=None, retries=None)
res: 4:57
